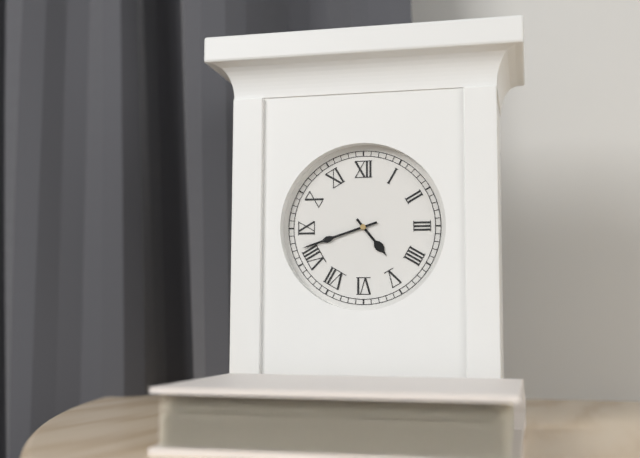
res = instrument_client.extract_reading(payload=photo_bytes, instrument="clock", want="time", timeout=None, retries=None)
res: 4:42
